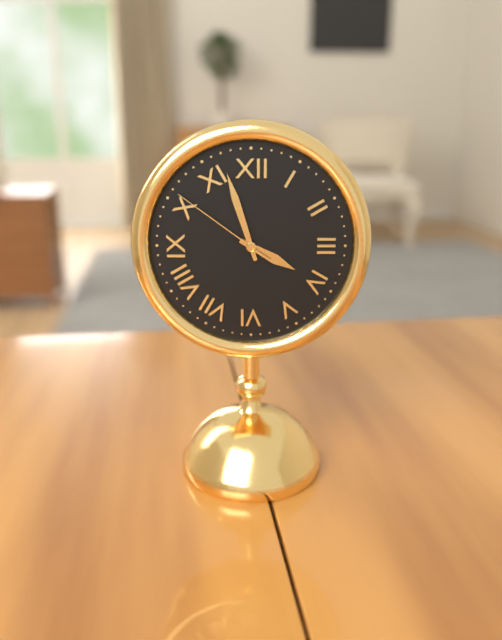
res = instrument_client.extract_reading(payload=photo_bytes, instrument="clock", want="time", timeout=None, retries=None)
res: 3:57:51
